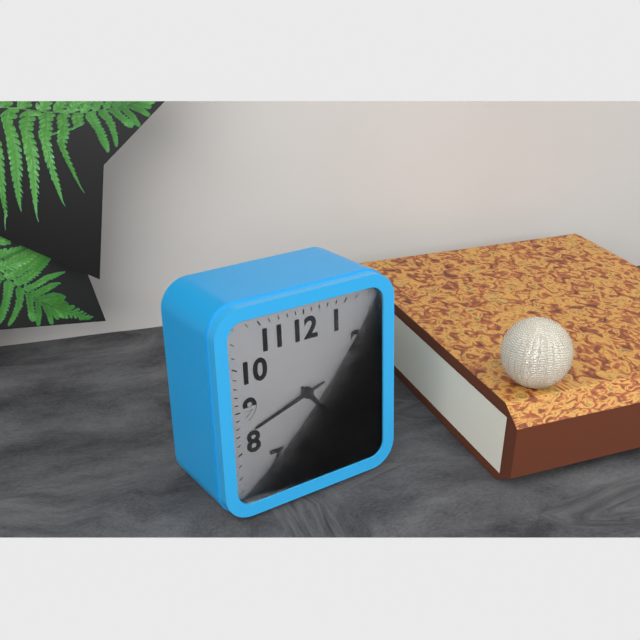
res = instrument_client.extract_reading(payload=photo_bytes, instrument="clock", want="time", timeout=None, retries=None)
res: 4:42
